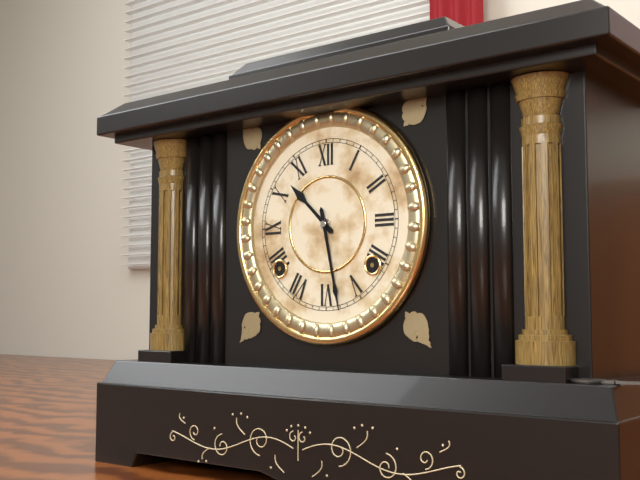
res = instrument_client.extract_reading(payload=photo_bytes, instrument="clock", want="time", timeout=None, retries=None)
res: 10:28
